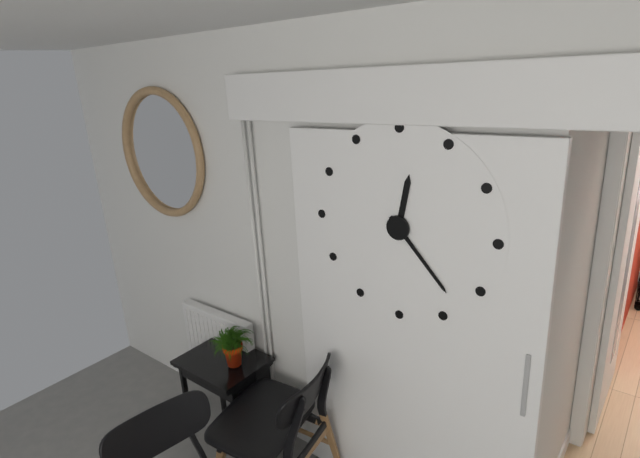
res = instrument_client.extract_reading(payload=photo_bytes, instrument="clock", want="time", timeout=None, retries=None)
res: 12:23
